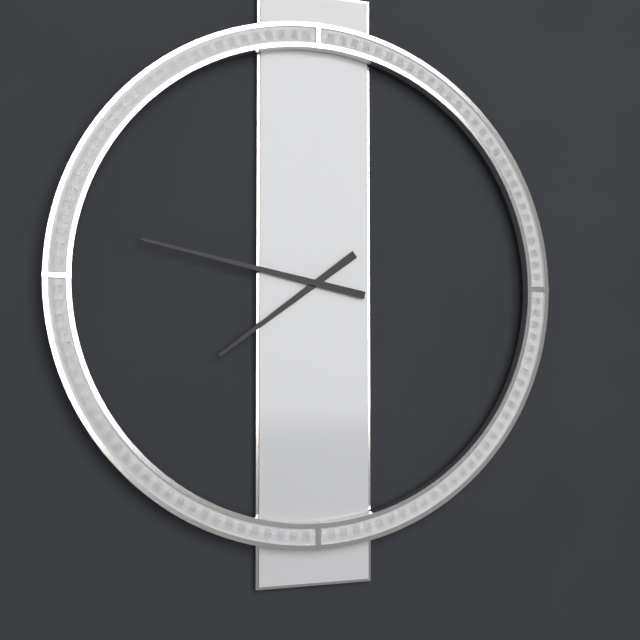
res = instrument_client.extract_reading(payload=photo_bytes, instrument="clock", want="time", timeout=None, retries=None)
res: 7:47
